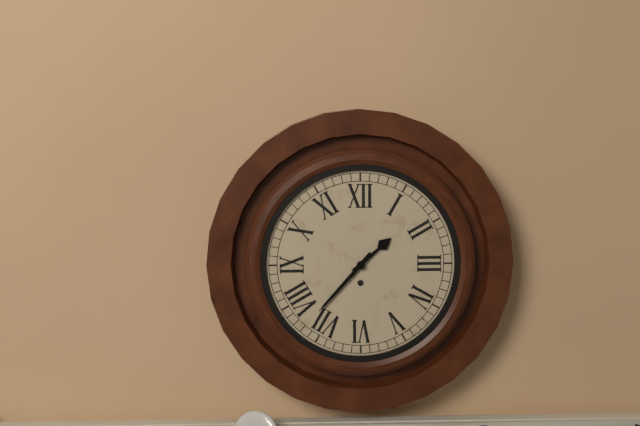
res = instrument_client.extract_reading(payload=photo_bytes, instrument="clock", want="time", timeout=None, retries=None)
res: 1:37
